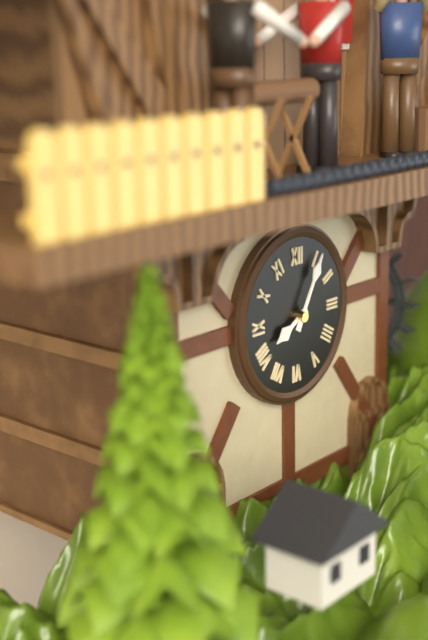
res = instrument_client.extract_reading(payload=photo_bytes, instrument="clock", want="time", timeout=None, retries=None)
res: 8:05
